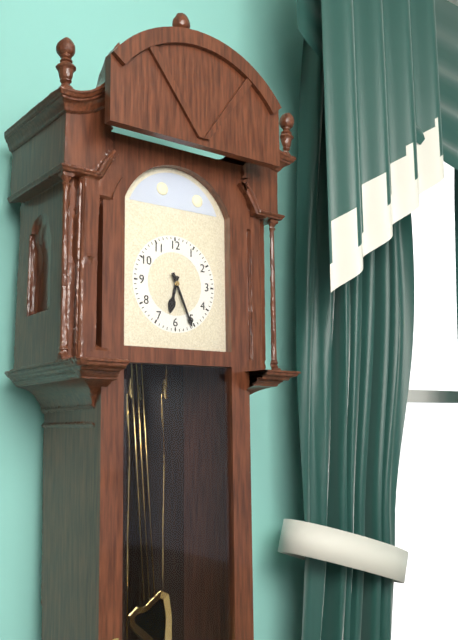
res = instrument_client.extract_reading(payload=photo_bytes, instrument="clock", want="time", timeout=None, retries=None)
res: 6:26
